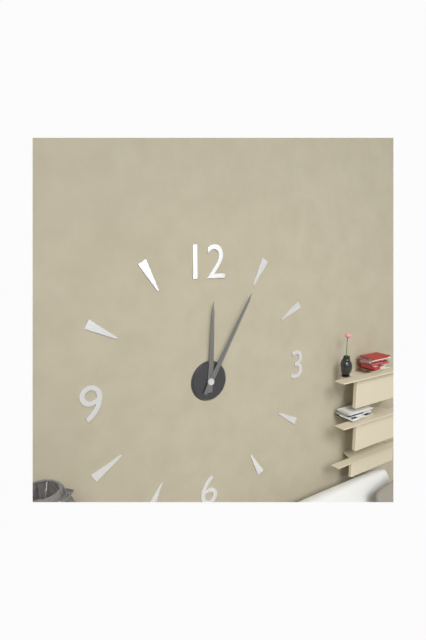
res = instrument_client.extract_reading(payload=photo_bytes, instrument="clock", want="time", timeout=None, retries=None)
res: 12:05
